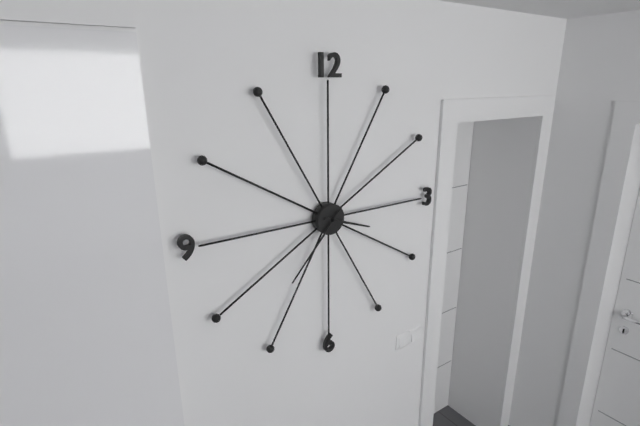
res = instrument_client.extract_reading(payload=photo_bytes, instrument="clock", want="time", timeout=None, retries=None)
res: 3:37
